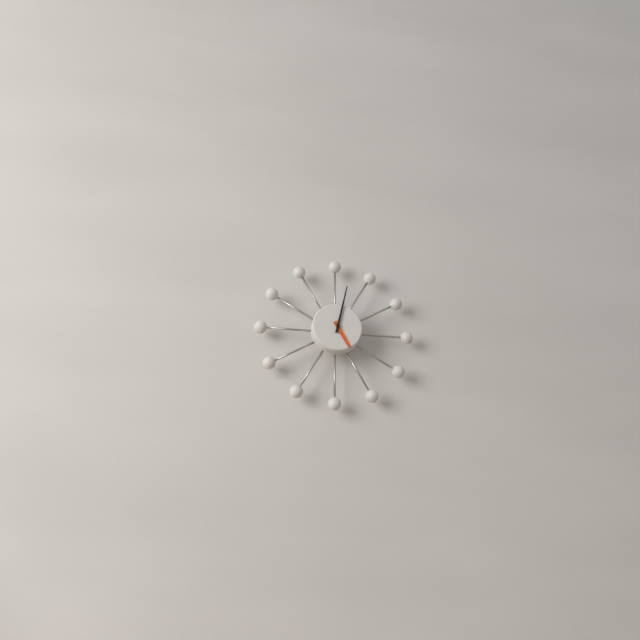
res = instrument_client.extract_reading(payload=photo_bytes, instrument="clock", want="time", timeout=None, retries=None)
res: 5:02
